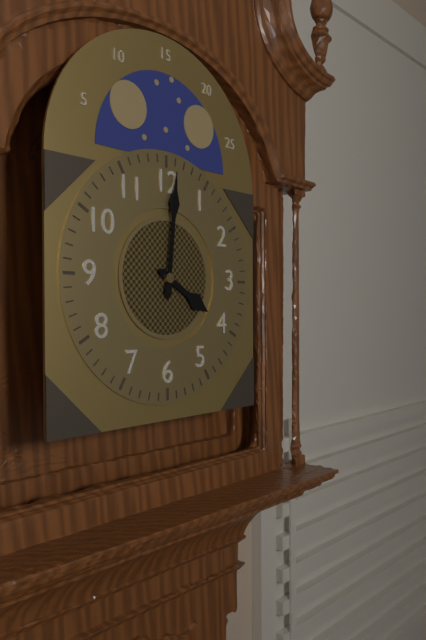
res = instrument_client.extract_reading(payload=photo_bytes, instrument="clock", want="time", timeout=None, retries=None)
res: 4:01
